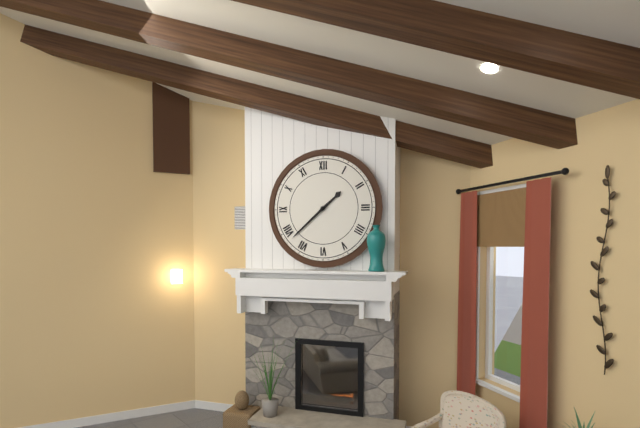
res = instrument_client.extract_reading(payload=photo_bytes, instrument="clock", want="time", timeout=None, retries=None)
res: 1:38
